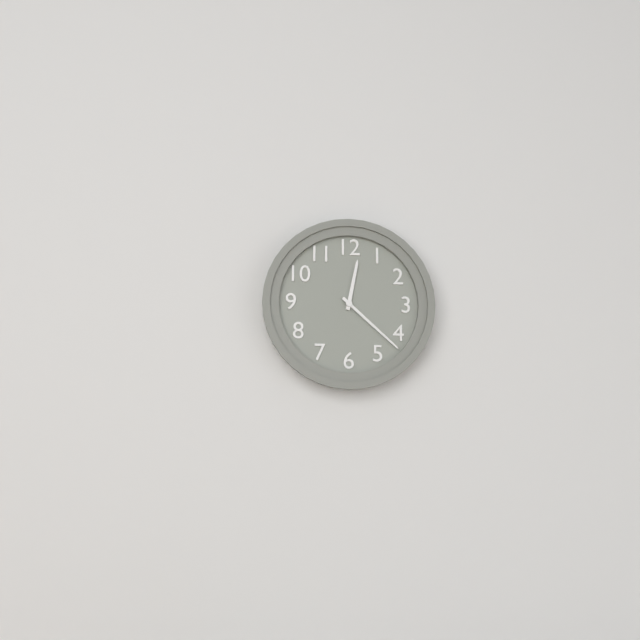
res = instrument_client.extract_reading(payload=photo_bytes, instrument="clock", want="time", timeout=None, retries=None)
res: 12:22
